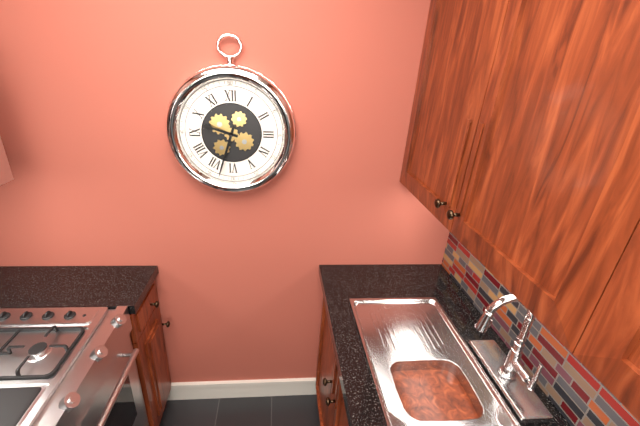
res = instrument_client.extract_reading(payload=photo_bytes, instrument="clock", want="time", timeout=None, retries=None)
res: 9:33
